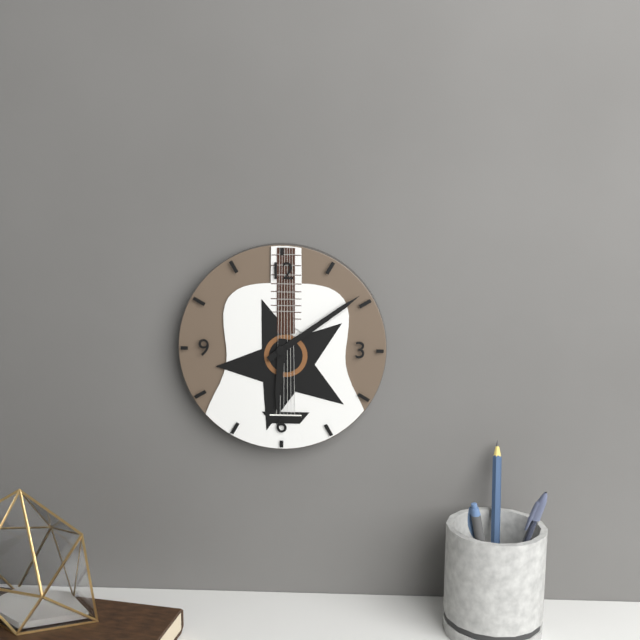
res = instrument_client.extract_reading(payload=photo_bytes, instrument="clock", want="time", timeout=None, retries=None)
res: 6:09
